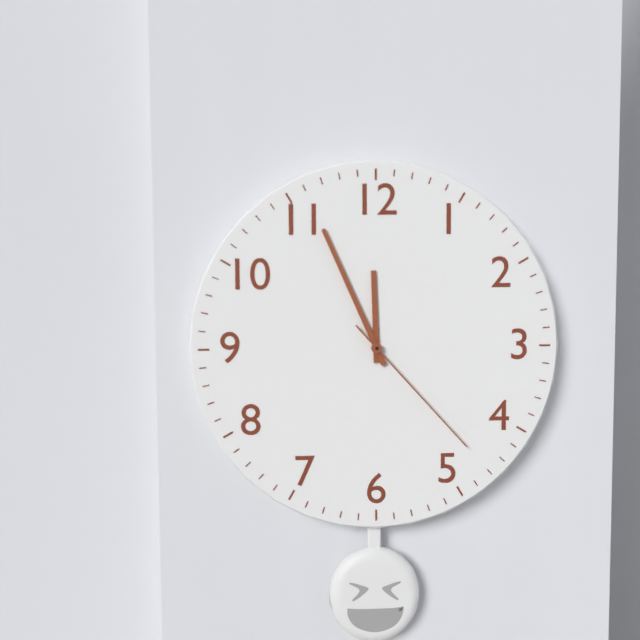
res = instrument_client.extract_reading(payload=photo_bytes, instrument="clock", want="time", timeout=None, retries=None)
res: 11:56:23
